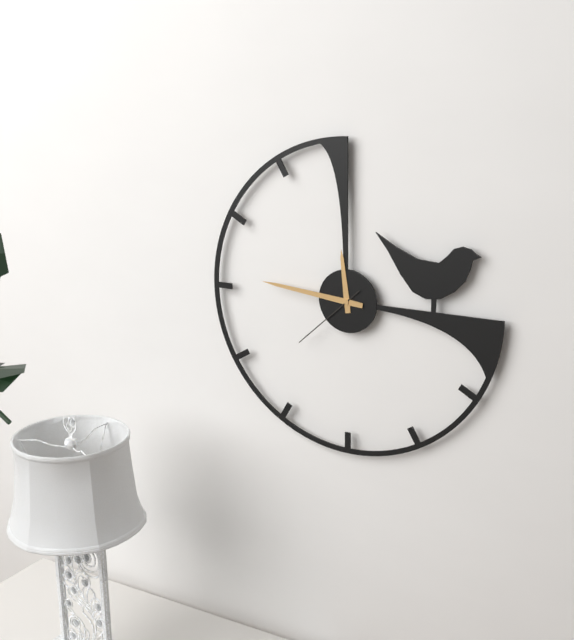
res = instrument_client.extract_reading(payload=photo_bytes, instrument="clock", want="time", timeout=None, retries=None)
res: 11:46:38
